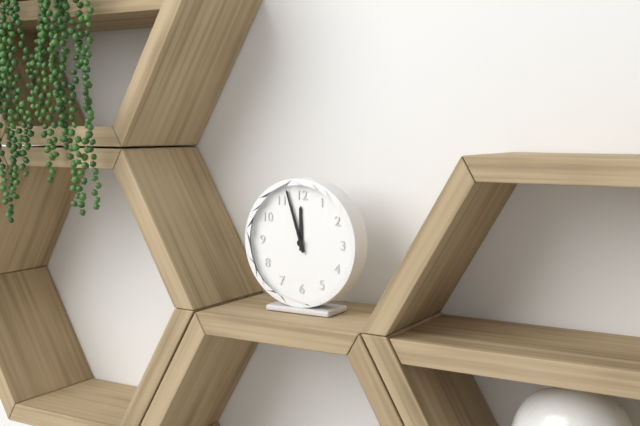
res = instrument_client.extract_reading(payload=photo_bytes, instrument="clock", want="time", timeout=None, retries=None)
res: 11:57
